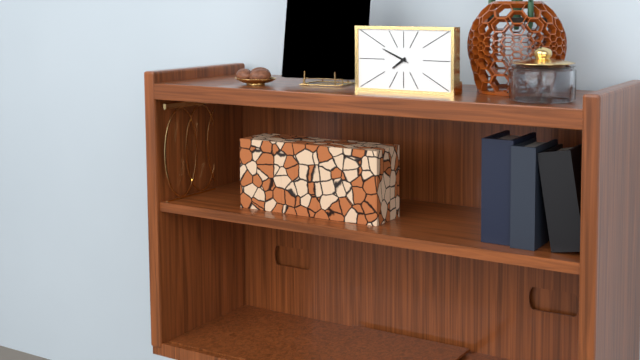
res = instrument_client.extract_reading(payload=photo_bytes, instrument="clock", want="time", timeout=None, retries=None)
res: 7:49
